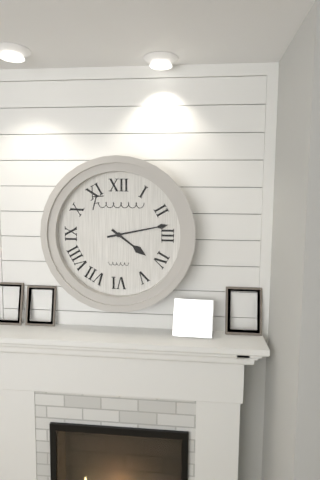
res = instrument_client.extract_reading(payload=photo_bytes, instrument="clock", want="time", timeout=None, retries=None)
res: 4:13
